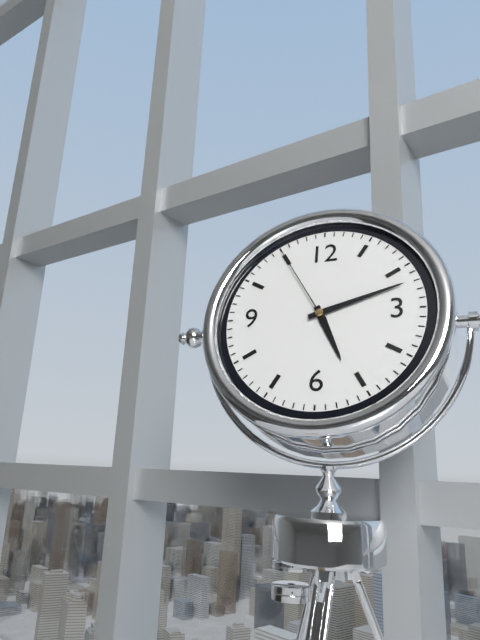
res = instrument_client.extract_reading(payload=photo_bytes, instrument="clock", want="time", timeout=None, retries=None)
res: 5:12:55
